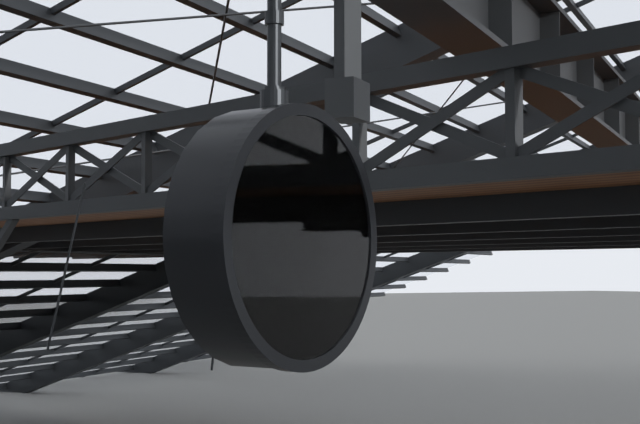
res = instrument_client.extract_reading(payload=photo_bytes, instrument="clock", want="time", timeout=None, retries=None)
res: 7:47:01
